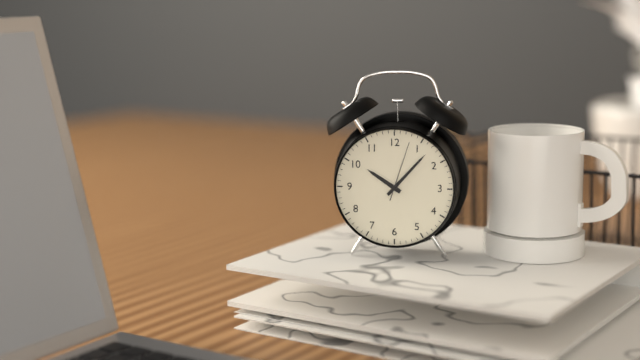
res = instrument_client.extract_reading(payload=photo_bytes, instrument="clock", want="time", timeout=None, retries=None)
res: 10:07:03
